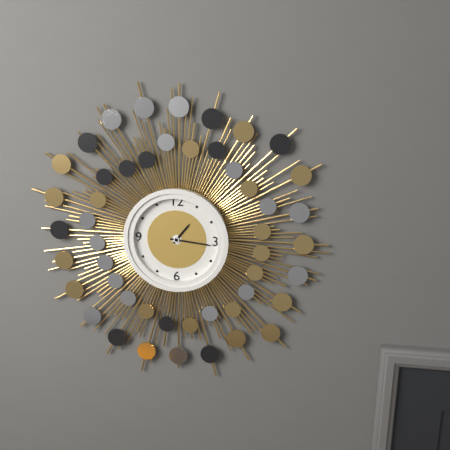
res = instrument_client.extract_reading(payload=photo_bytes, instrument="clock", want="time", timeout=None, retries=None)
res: 1:16
